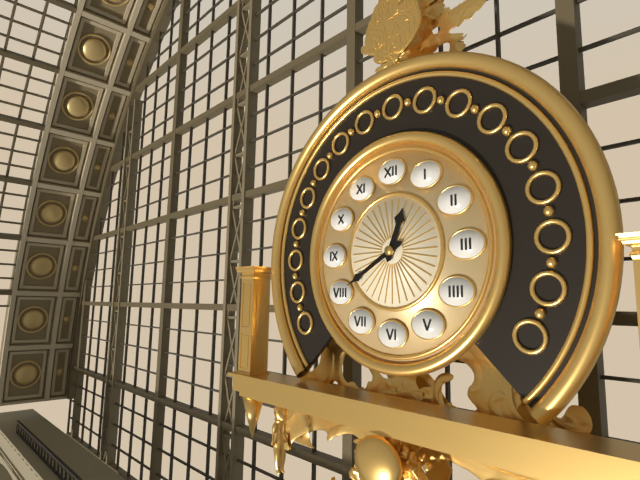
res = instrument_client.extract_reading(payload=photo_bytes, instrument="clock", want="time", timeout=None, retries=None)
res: 12:40
